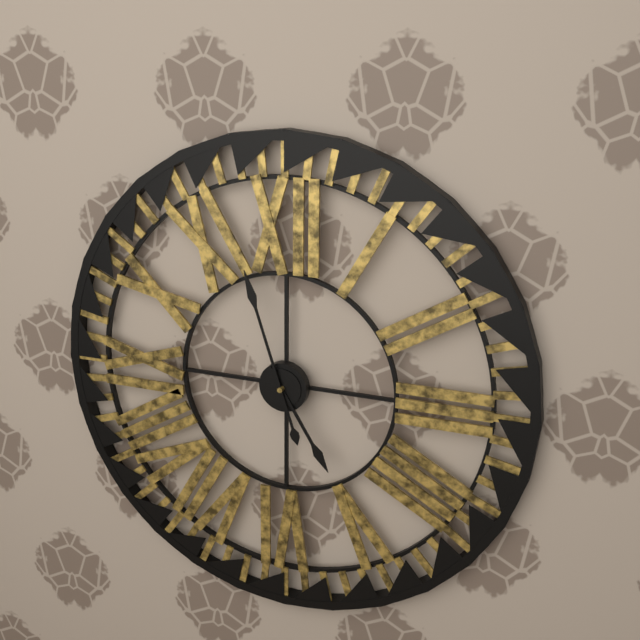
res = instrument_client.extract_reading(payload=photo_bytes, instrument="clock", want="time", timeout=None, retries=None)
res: 4:57
